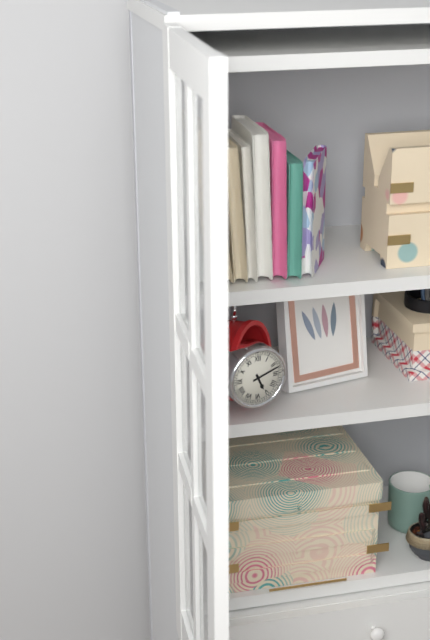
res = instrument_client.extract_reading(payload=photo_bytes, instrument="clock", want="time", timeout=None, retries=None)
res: 5:12
